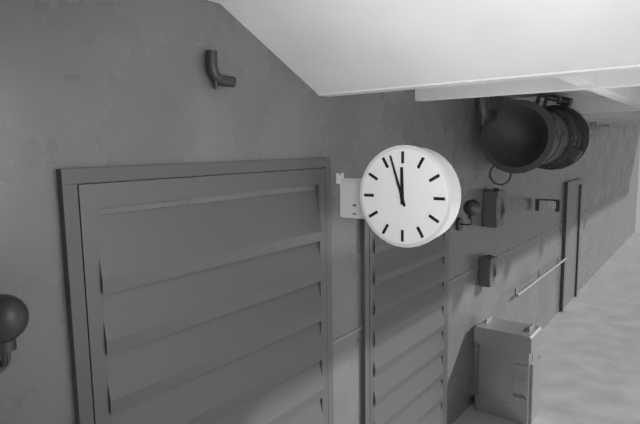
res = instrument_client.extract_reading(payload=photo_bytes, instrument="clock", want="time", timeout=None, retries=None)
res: 11:57
